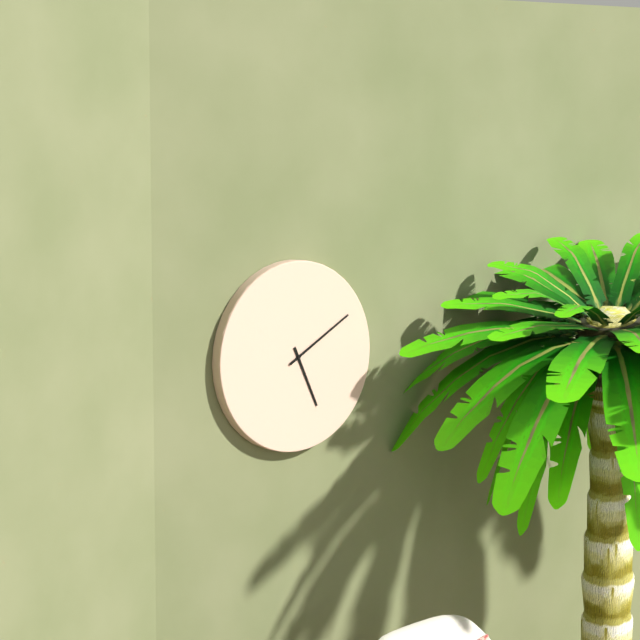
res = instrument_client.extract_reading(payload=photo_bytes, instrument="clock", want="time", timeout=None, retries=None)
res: 5:10
